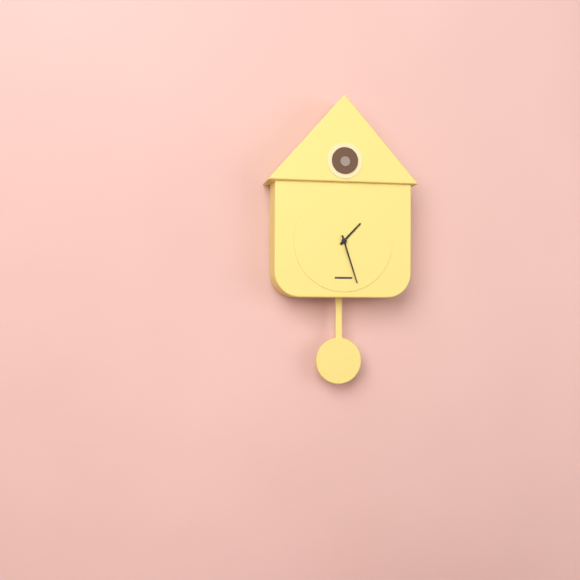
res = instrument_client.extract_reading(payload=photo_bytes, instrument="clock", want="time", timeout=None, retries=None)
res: 1:27
